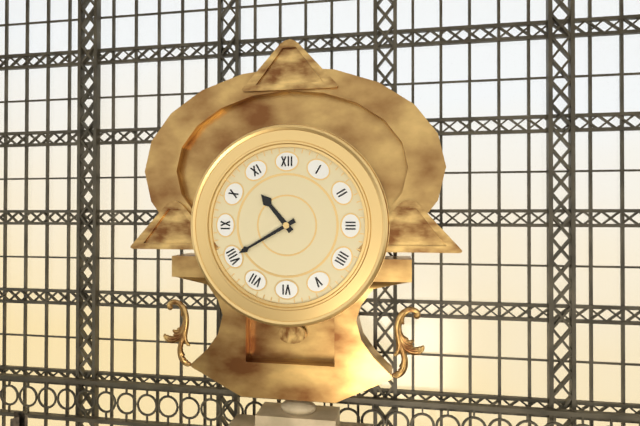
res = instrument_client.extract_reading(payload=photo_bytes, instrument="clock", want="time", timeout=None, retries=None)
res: 10:40
